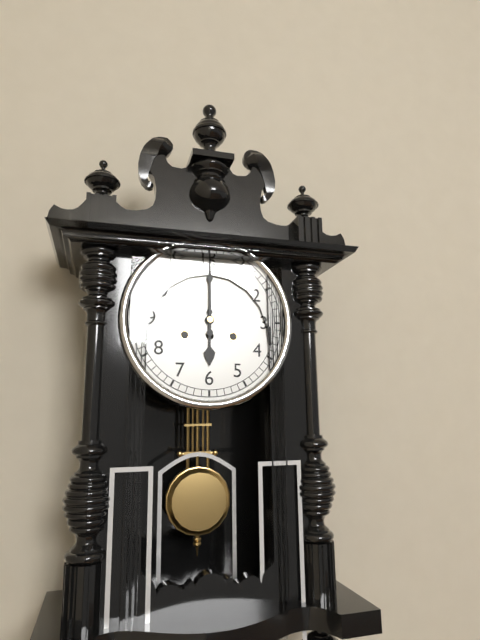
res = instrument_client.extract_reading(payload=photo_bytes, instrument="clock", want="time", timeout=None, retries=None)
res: 6:00
